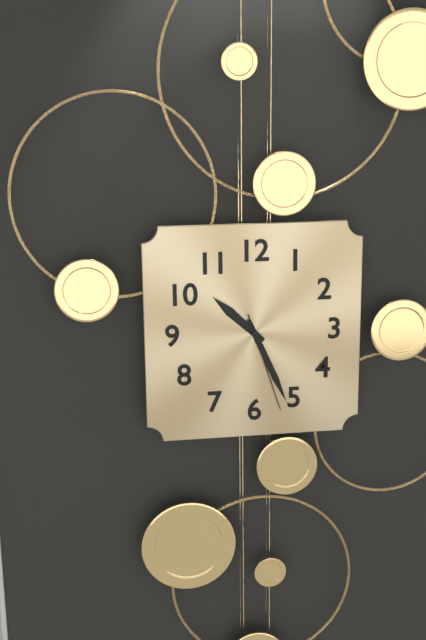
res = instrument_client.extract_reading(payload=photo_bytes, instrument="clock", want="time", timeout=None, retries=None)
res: 10:26:27
